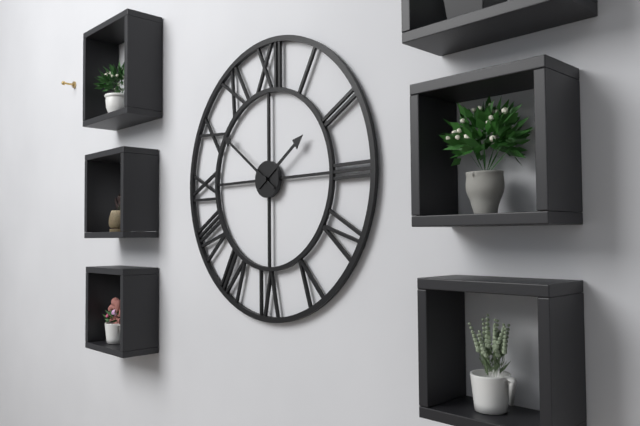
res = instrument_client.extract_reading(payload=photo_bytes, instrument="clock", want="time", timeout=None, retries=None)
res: 1:51
